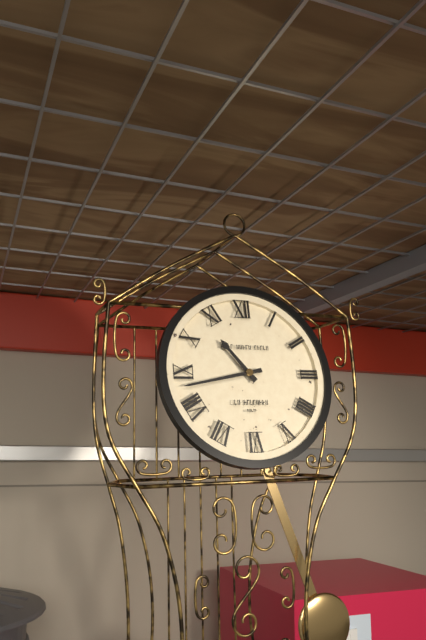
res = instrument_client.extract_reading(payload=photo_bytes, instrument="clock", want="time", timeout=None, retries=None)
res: 10:43
